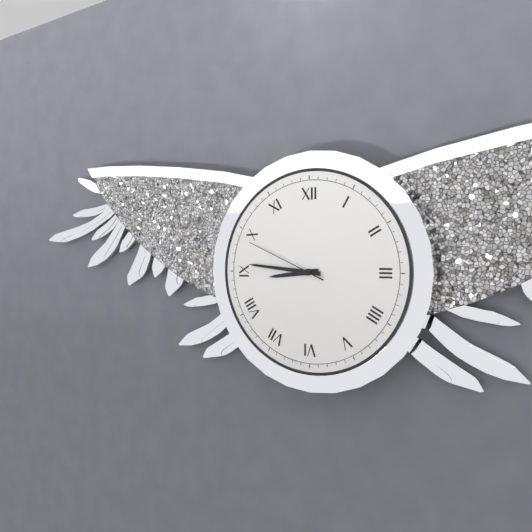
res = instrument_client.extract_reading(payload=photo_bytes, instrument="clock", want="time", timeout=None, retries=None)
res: 8:46:49
